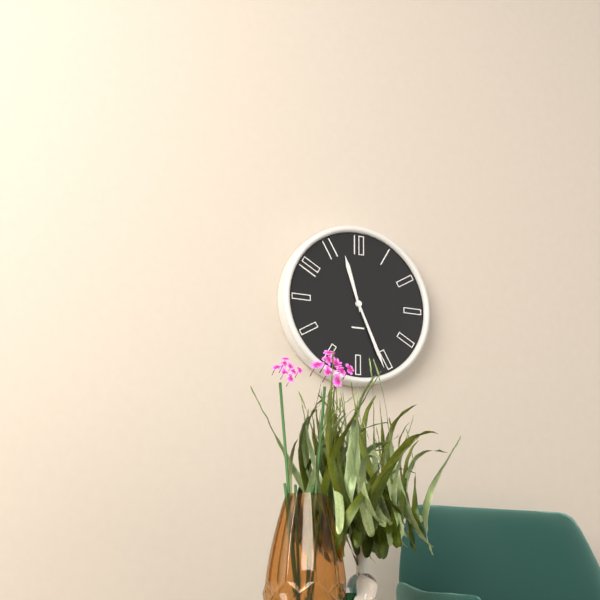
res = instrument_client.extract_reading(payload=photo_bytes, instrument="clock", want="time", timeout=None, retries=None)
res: 11:26
